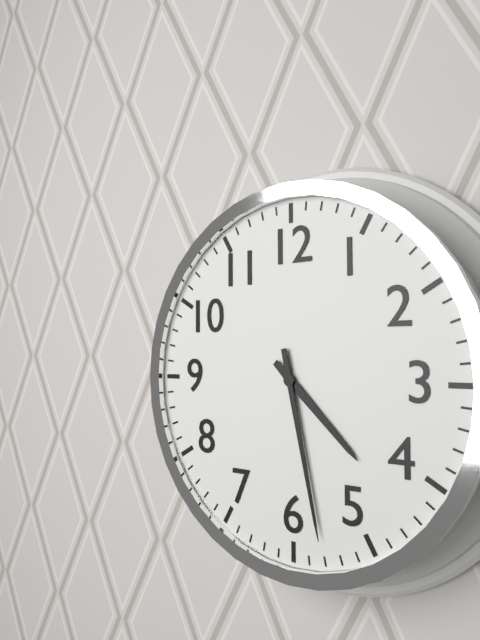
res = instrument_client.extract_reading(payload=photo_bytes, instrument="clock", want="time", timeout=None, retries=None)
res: 4:28
